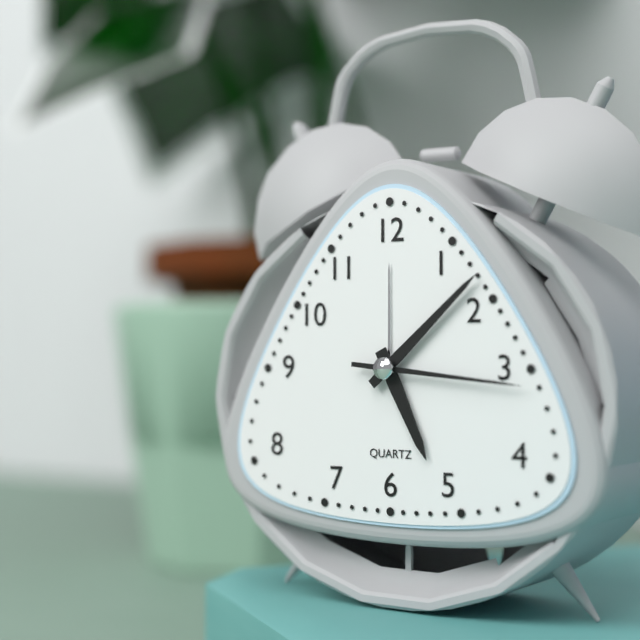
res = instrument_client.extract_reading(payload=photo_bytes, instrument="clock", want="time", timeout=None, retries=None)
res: 5:08:16
